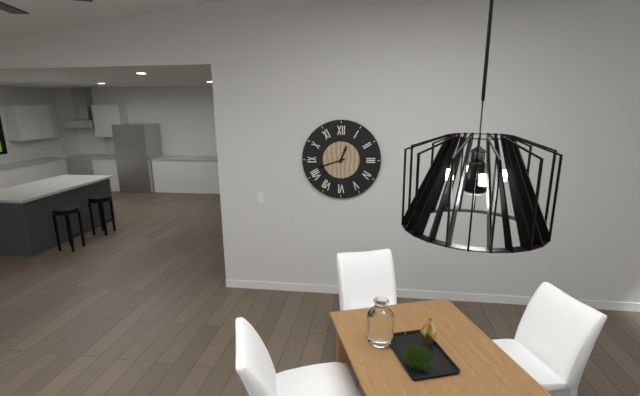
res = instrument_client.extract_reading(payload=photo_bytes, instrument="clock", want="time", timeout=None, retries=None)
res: 12:42
